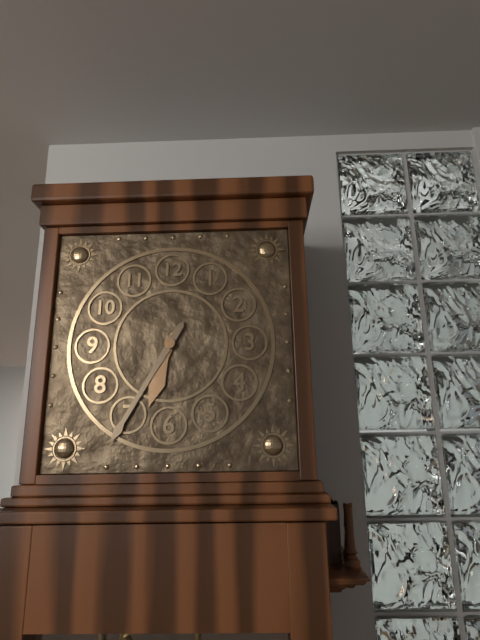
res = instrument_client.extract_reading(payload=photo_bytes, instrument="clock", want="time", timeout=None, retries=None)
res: 6:35
